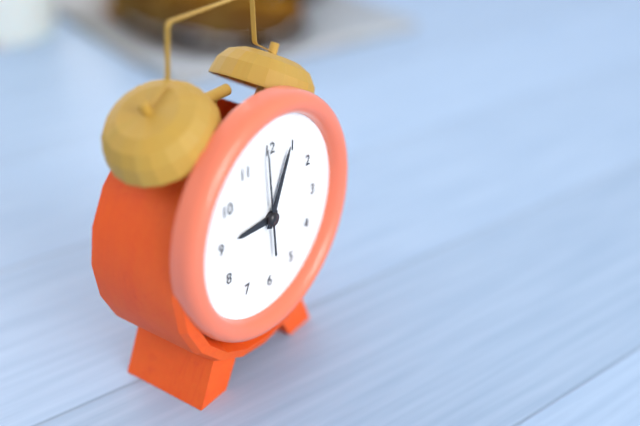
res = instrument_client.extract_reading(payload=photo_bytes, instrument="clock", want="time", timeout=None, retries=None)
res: 9:04:59
